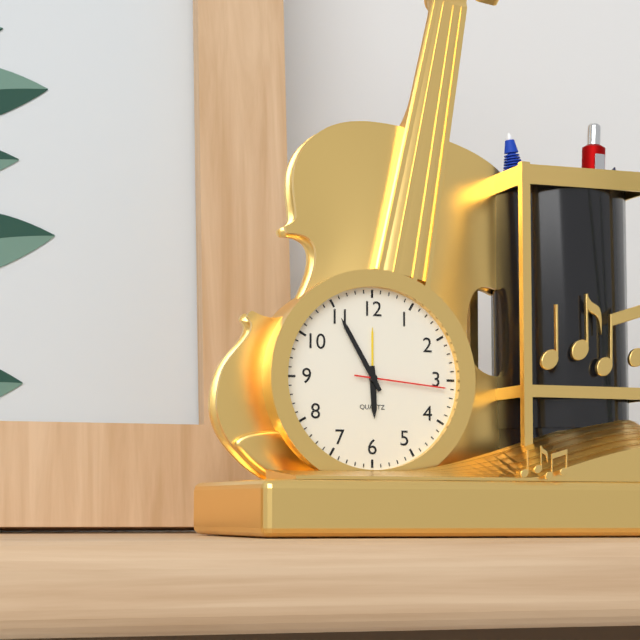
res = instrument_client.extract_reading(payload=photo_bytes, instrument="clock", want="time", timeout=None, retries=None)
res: 5:55:16
